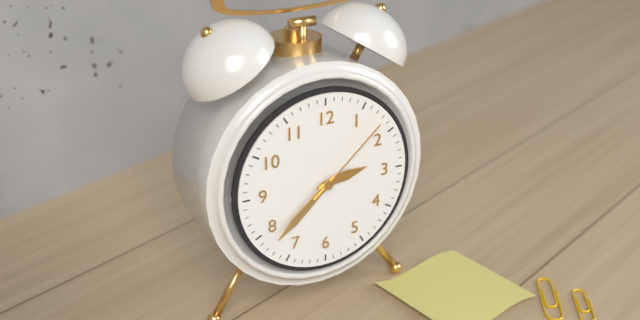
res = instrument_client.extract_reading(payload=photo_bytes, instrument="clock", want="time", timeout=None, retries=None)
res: 2:38:08
